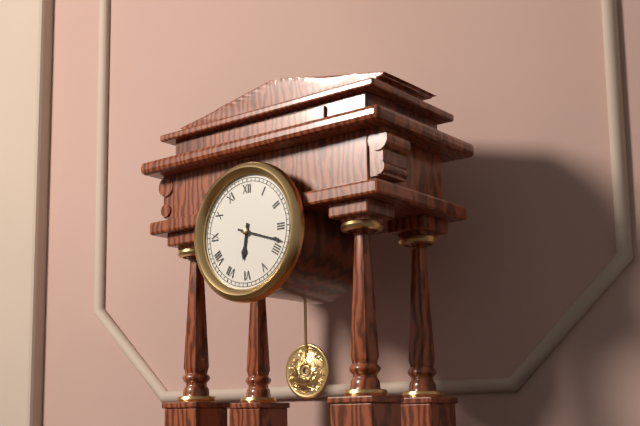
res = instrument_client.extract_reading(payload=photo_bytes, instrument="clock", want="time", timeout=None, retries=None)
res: 6:18
